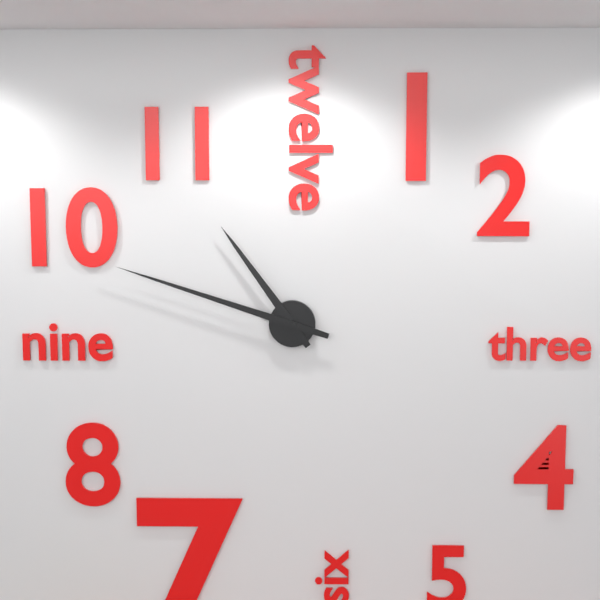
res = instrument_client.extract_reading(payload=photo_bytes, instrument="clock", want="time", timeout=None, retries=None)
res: 10:48
